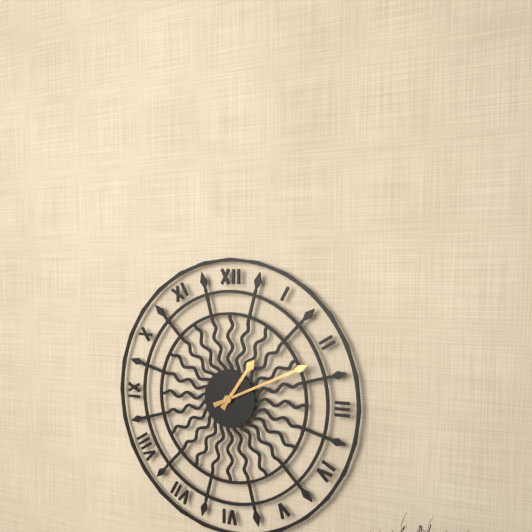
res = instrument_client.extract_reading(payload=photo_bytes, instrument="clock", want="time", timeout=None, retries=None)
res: 1:11
